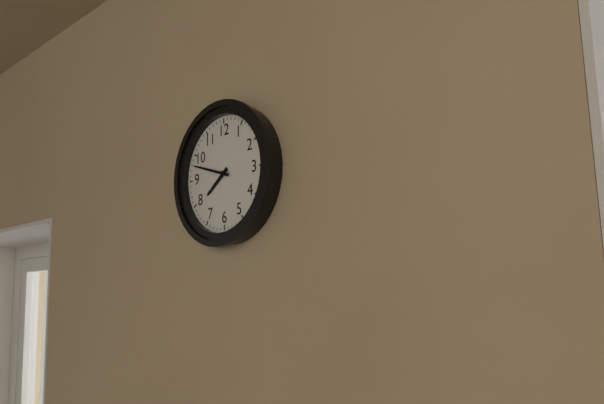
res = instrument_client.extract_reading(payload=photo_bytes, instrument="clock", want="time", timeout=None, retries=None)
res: 7:48
